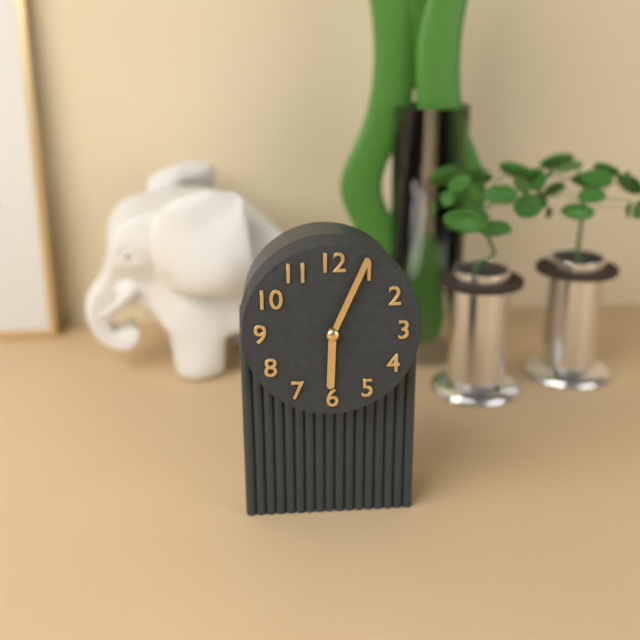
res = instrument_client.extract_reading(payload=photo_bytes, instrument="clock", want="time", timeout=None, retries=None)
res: 6:04
